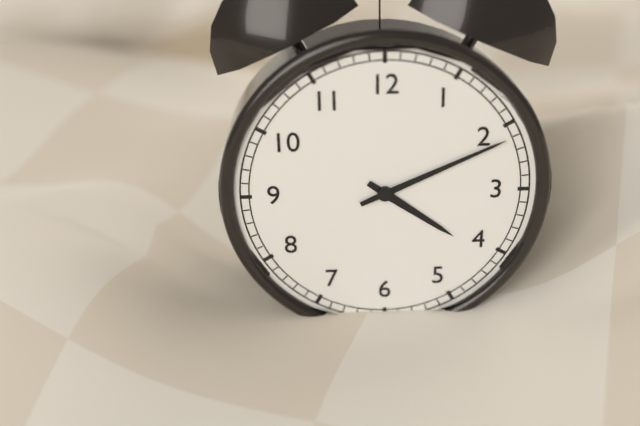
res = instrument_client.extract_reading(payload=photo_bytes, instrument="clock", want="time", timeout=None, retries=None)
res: 4:11
